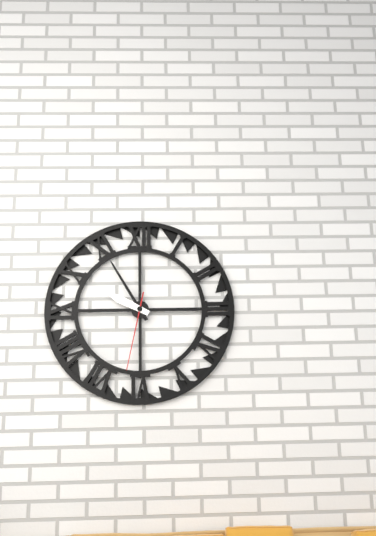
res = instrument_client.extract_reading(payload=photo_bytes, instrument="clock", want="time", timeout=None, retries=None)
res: 9:55:32
